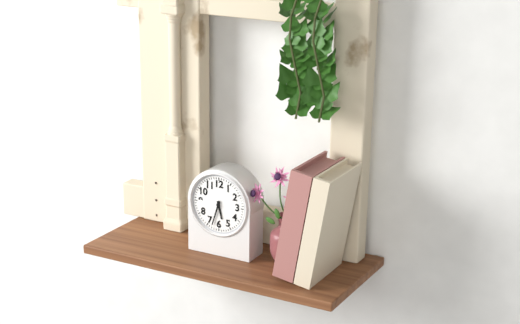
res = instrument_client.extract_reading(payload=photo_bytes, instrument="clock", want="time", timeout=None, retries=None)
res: 5:33
